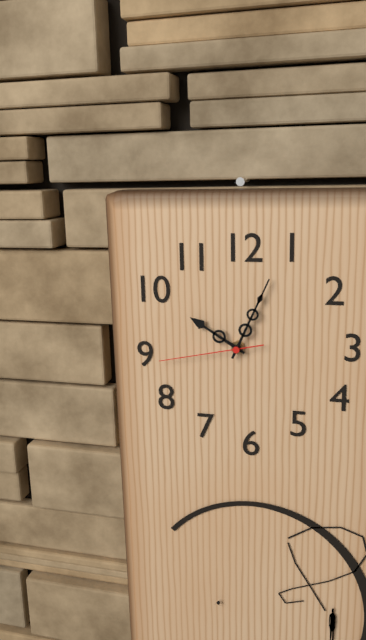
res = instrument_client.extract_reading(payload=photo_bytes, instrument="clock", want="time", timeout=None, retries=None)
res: 10:04:43
